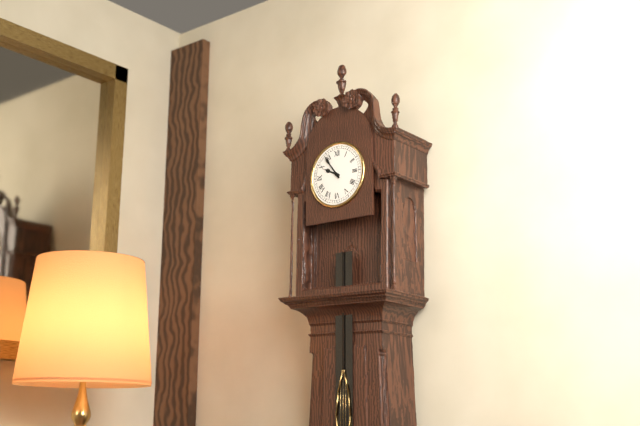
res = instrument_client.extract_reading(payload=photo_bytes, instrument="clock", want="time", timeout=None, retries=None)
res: 9:54
